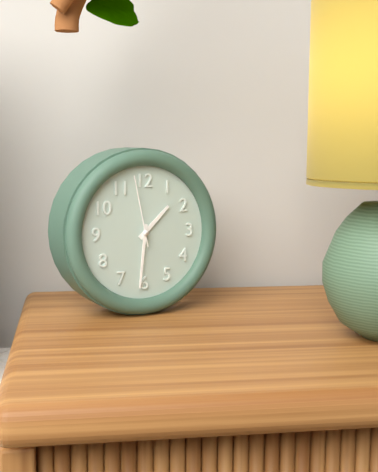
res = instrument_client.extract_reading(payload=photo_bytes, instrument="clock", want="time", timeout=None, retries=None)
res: 1:31:58
